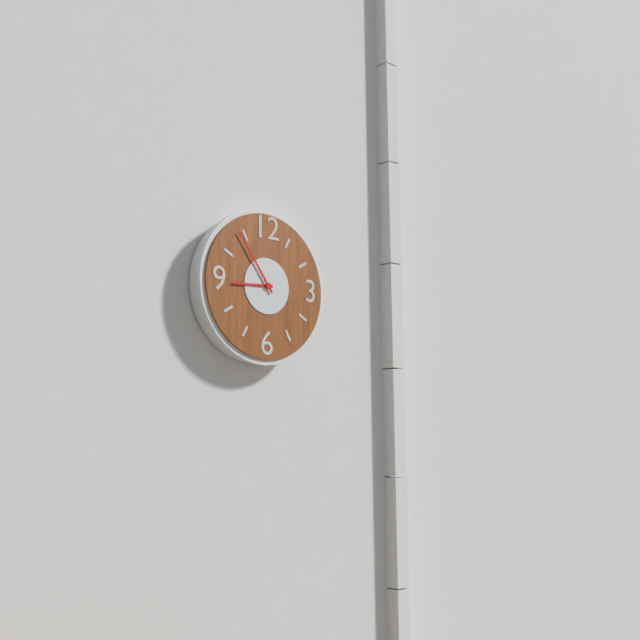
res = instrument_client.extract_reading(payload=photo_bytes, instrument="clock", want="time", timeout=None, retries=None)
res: 8:54
